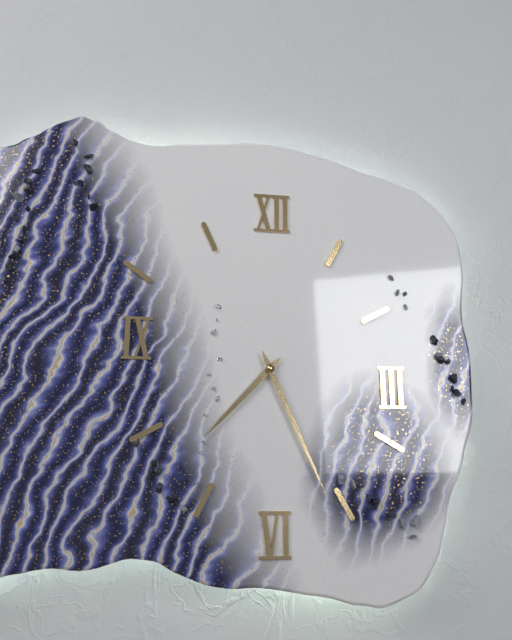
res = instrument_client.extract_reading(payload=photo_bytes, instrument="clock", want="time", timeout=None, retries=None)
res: 7:26
